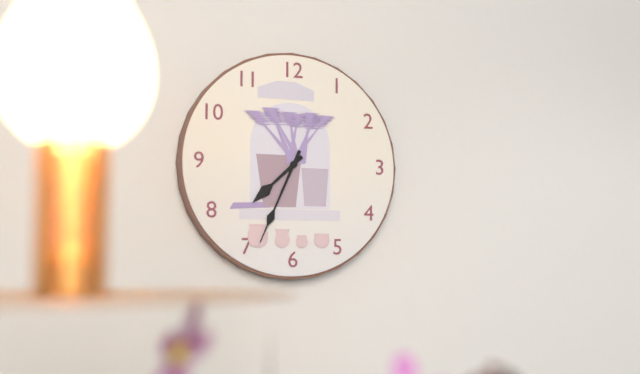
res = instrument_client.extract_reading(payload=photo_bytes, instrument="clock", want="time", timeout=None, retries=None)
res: 7:34
